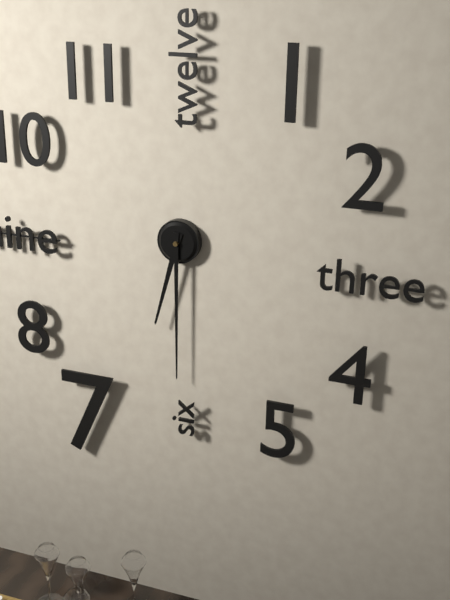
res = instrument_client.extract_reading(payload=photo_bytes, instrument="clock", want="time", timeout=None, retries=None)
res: 6:30
